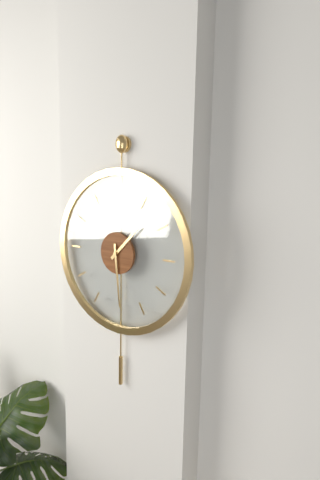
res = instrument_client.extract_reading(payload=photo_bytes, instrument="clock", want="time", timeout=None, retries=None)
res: 1:29
